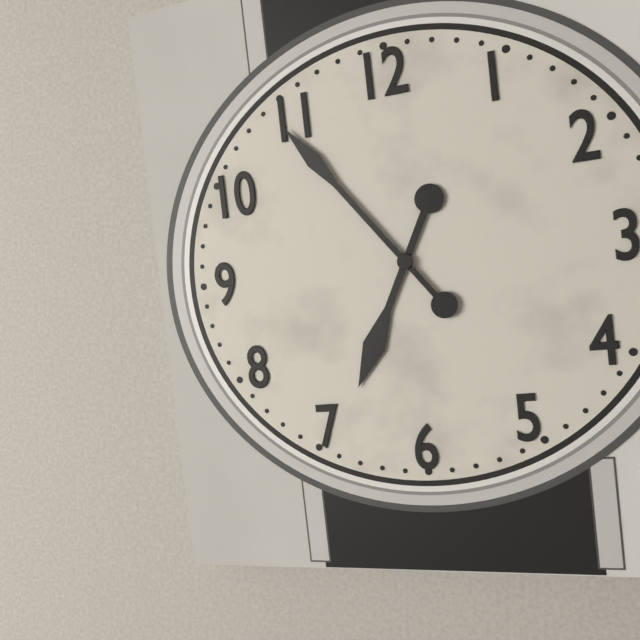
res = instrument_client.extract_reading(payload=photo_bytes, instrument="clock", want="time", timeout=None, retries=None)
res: 6:54
